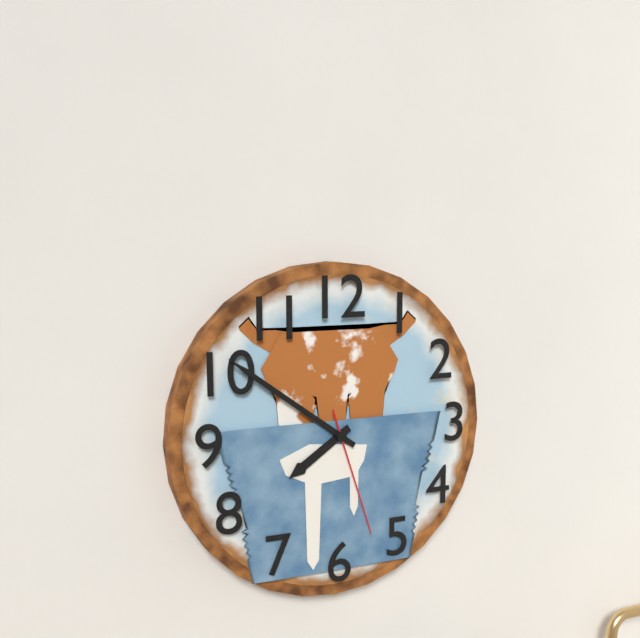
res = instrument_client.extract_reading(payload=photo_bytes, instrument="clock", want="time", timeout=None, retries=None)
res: 7:51:27
